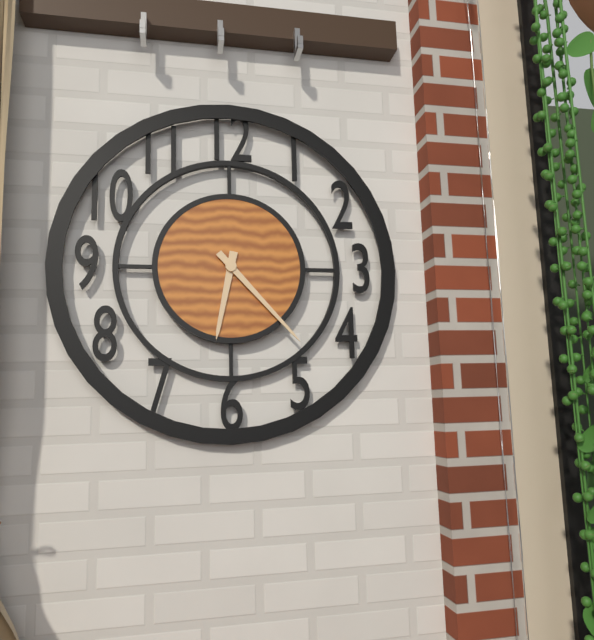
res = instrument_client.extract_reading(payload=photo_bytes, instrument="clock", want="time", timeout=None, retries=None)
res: 6:23
